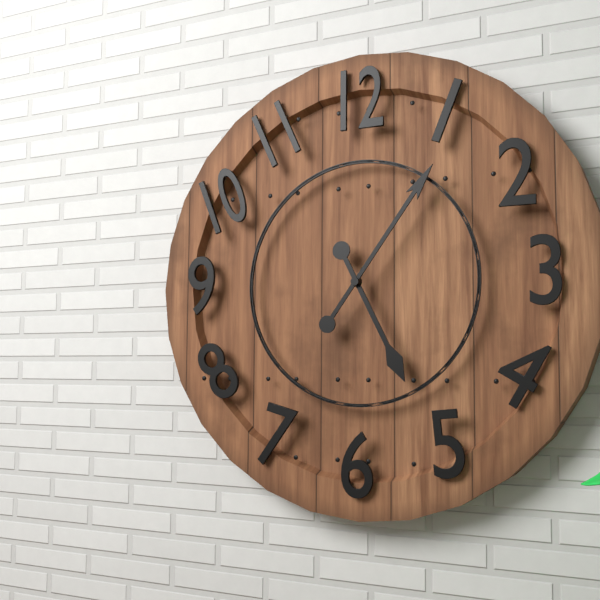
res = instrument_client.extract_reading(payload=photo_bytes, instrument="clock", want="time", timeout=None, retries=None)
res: 5:06
